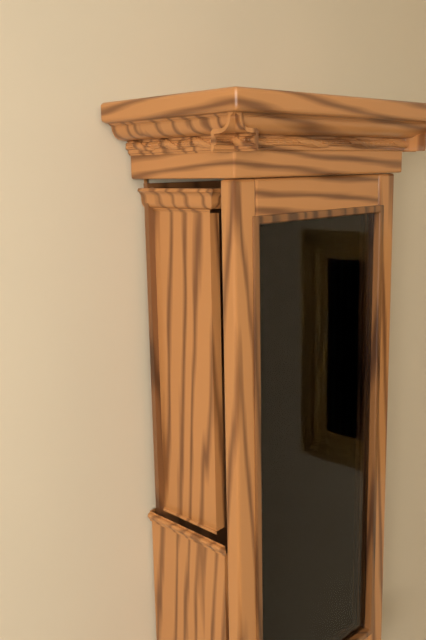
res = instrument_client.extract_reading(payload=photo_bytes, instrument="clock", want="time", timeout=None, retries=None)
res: 8:36
